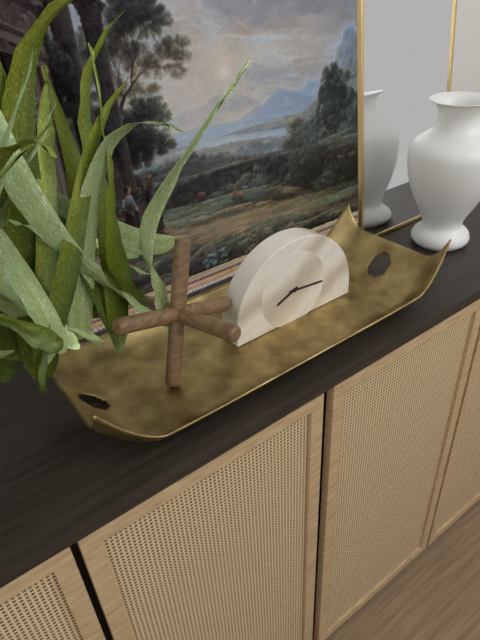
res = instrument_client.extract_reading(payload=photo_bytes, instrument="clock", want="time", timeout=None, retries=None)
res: 8:16
